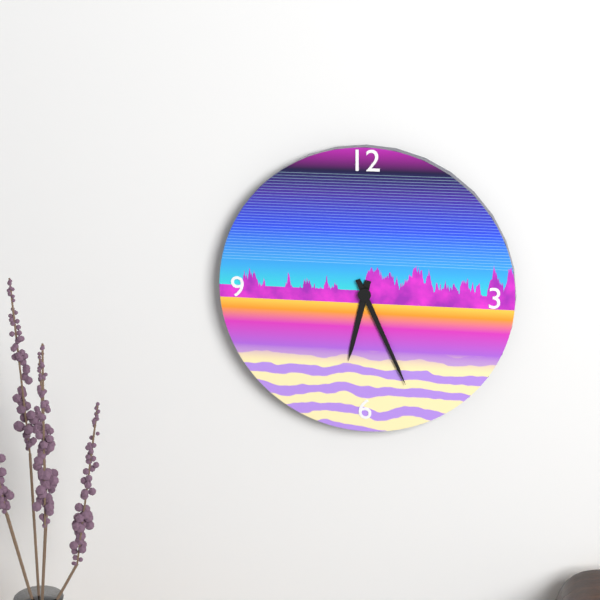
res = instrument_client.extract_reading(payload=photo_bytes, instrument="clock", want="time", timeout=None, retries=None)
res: 6:26
